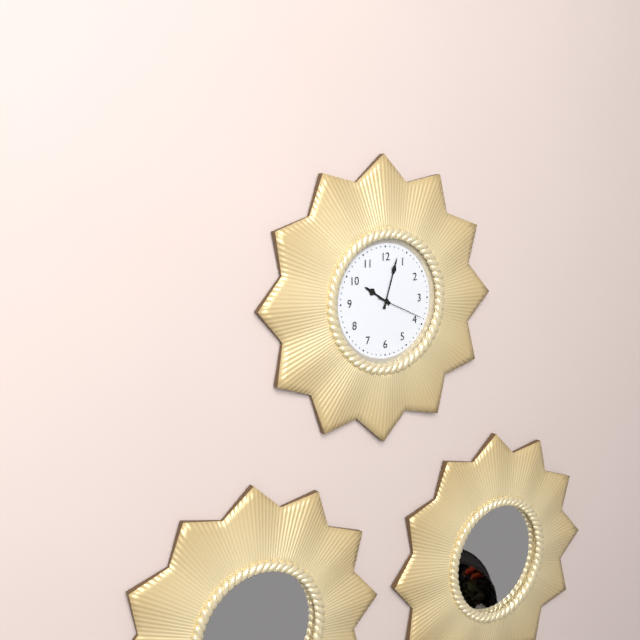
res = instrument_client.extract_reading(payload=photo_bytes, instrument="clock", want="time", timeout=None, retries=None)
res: 10:03
